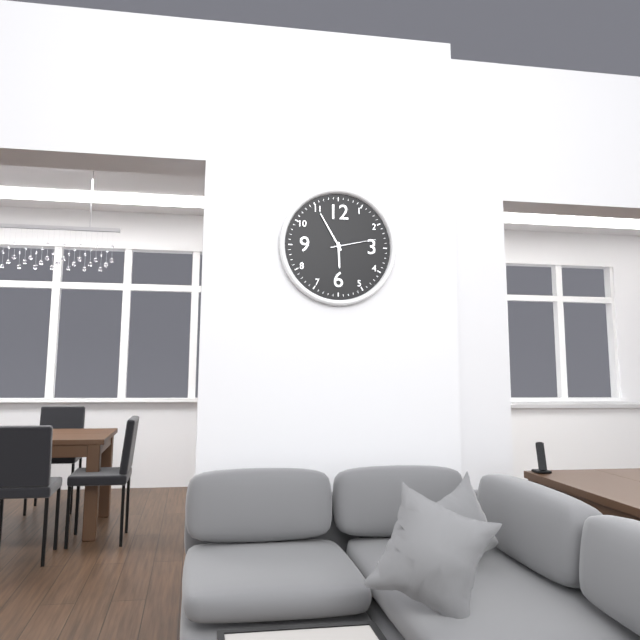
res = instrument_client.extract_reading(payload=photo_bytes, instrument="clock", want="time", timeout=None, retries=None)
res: 5:55
